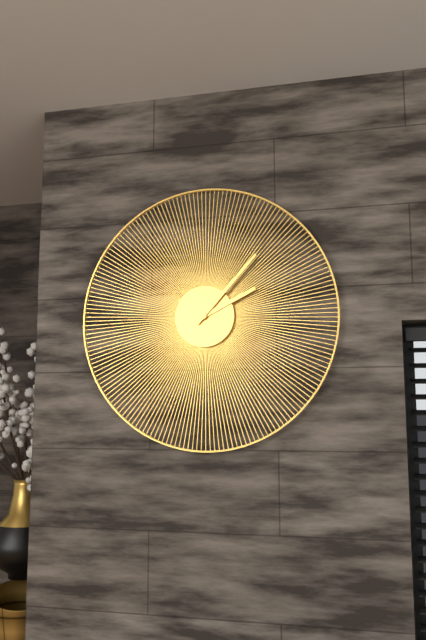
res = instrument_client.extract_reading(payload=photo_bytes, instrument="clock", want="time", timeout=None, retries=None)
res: 2:07
